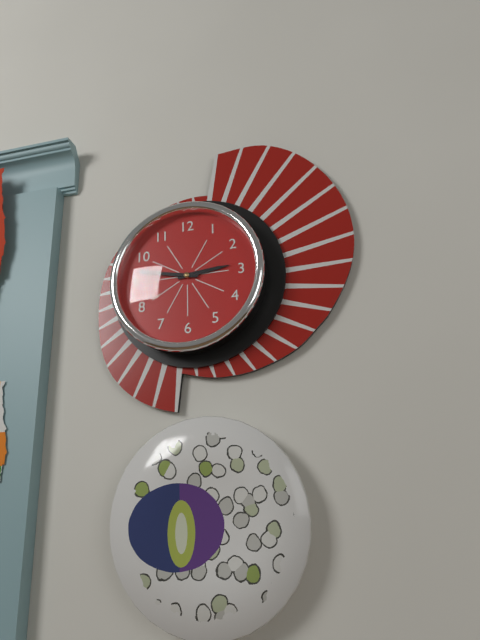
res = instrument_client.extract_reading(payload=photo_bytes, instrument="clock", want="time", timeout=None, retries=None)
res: 2:47
